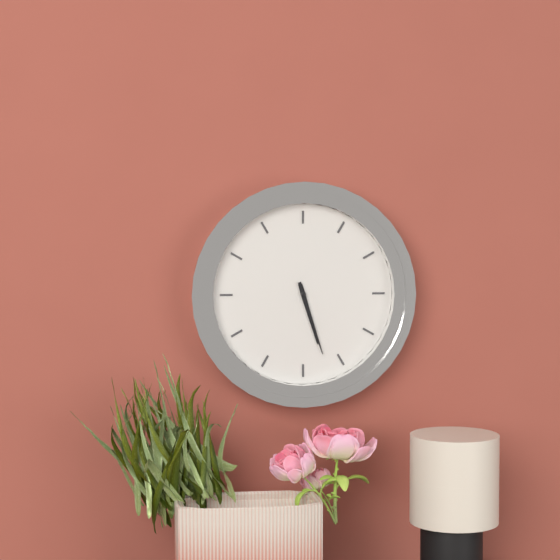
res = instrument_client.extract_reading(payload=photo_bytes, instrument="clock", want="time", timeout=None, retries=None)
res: 5:27
